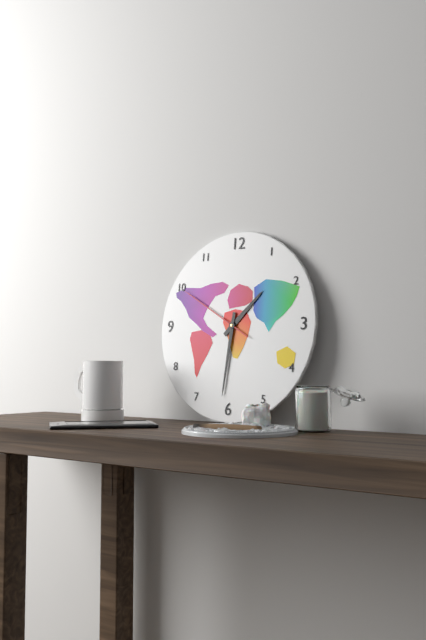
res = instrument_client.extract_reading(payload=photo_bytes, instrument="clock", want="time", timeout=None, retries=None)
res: 1:31:50
